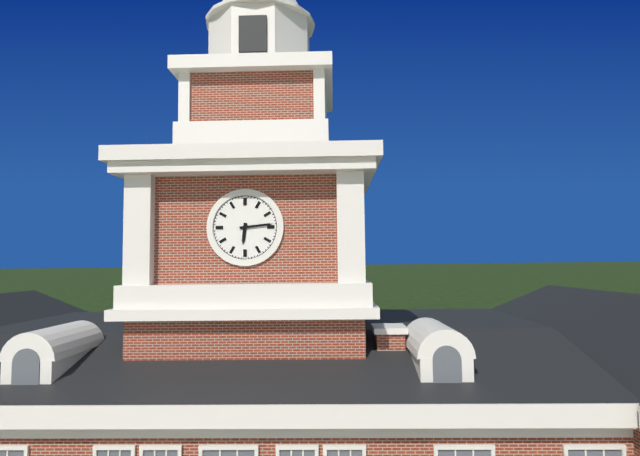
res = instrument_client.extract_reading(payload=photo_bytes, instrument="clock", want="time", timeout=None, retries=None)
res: 6:14
